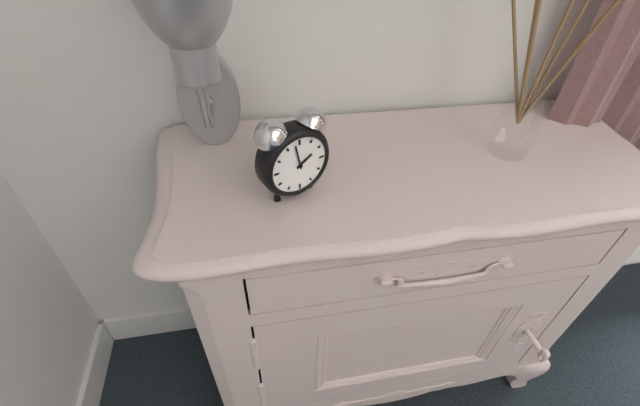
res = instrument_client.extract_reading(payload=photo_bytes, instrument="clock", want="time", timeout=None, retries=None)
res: 1:58
